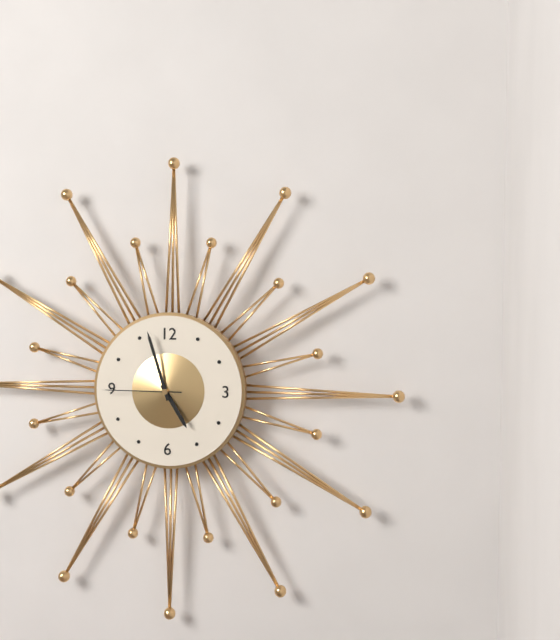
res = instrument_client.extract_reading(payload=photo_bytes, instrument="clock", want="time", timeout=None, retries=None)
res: 4:57:45
